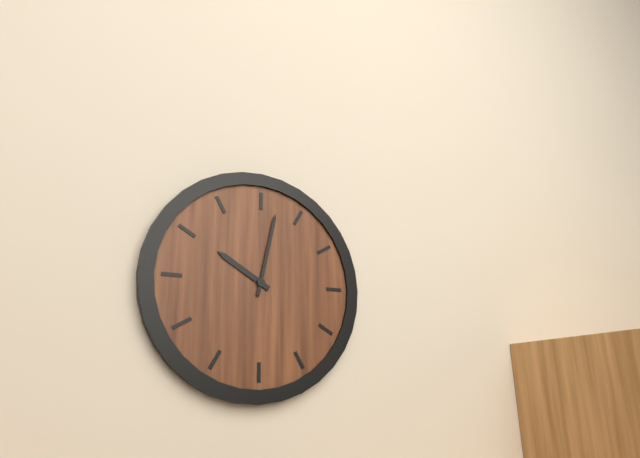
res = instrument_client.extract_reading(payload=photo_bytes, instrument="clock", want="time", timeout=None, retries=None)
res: 10:02
